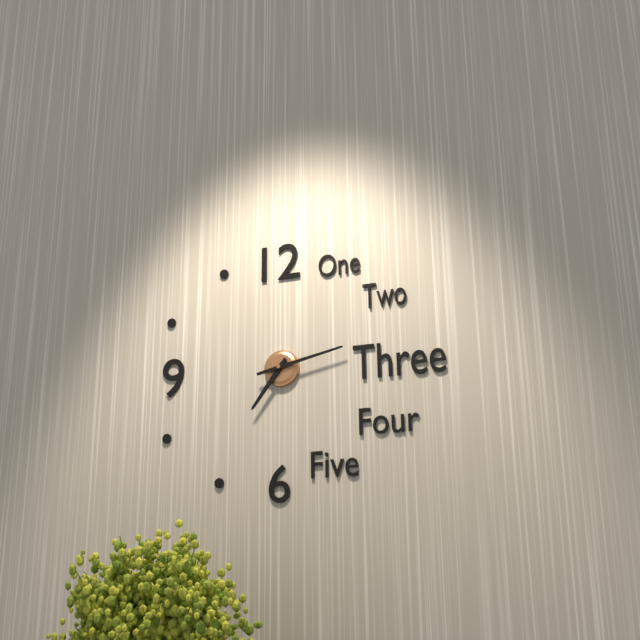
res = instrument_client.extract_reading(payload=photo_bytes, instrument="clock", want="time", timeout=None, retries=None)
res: 7:13
